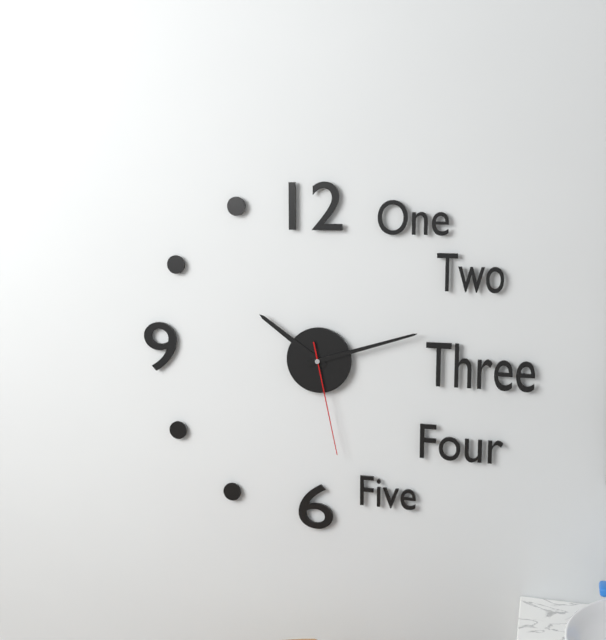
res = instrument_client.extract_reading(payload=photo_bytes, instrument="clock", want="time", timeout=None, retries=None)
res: 10:12:28
